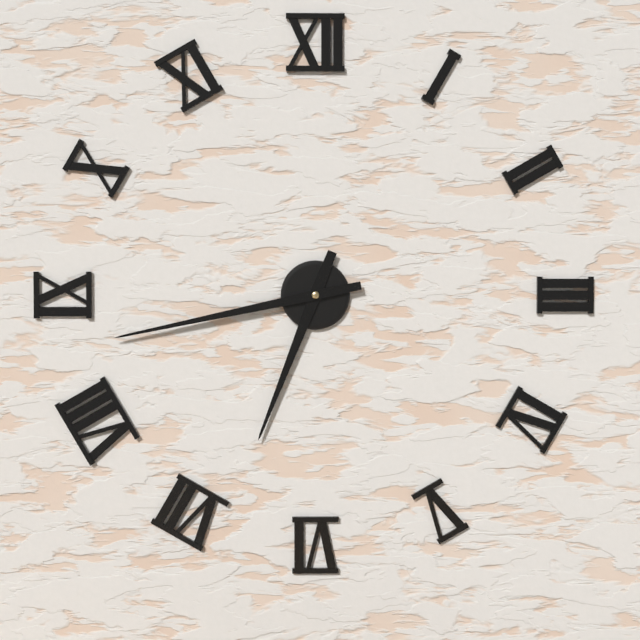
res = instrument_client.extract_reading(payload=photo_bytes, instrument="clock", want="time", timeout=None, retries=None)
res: 6:43
